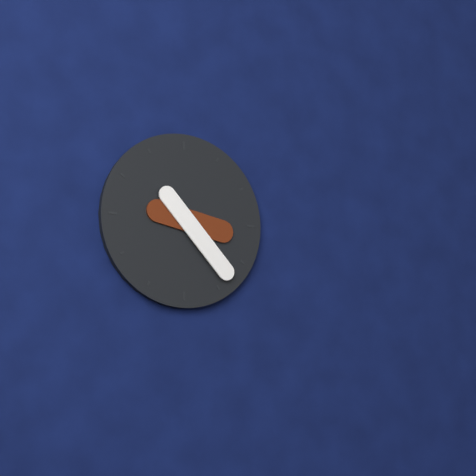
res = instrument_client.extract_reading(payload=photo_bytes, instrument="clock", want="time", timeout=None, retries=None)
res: 3:23
